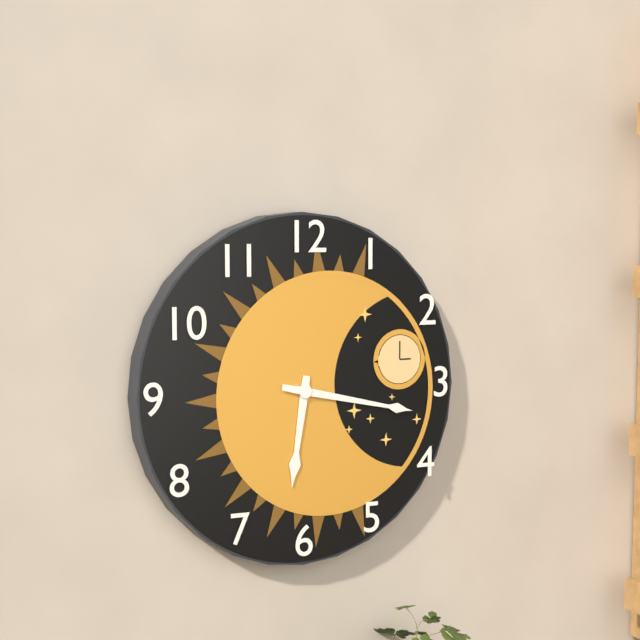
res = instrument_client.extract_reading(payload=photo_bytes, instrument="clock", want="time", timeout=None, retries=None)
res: 6:17
